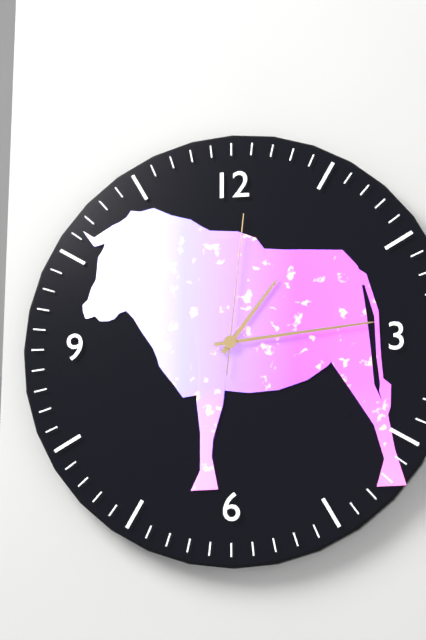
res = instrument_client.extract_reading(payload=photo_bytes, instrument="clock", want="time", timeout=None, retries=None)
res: 1:14:01
